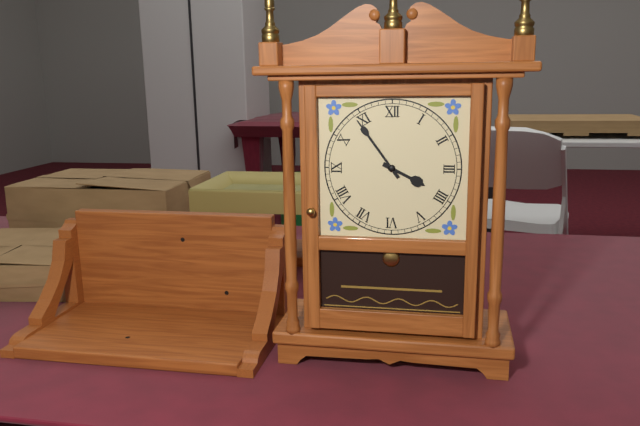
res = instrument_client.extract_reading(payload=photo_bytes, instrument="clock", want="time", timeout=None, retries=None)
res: 3:54
